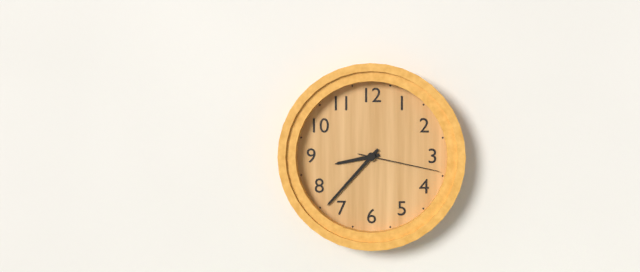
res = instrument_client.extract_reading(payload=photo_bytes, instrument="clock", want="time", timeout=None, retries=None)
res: 8:37:17
